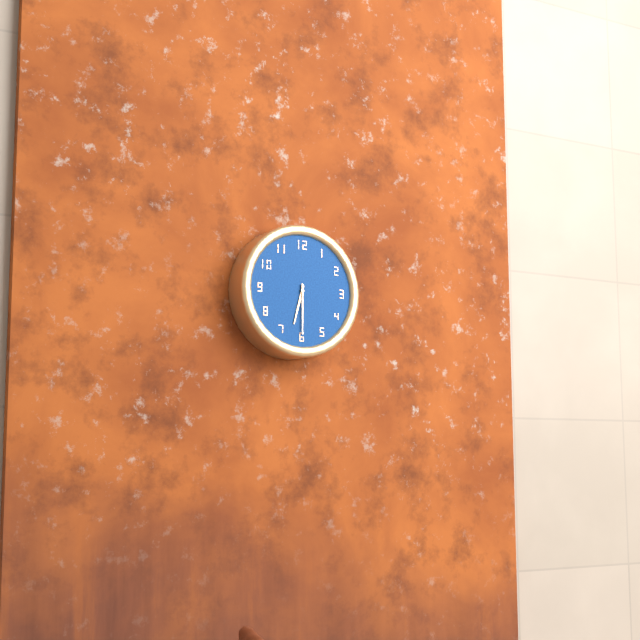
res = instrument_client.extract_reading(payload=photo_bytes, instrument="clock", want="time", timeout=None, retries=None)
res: 6:30
